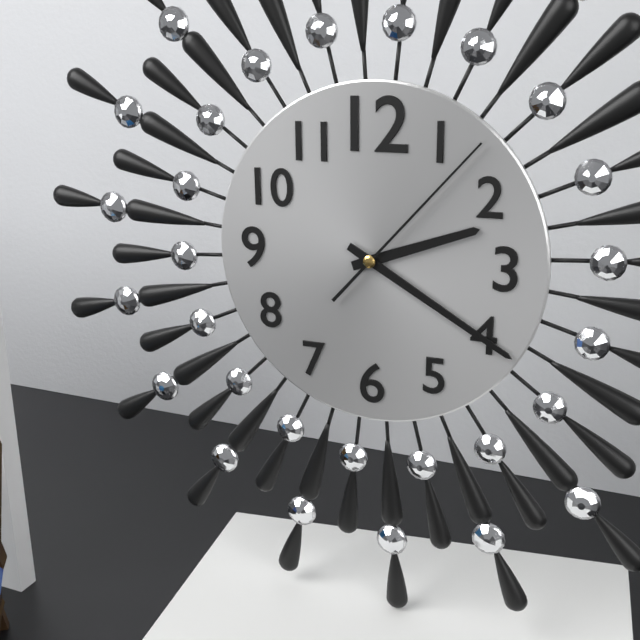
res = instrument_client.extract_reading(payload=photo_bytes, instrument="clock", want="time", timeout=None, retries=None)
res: 2:20:07
